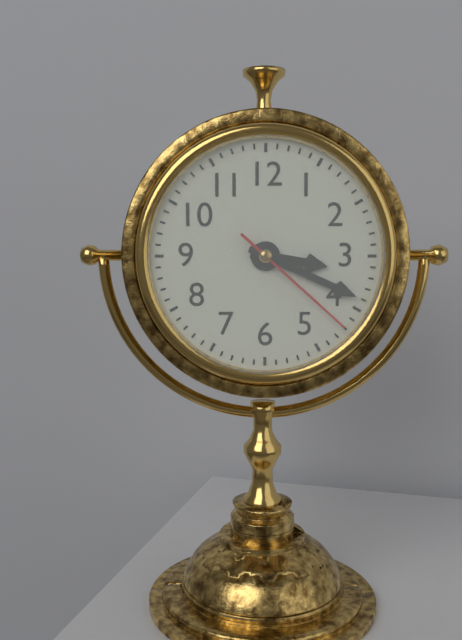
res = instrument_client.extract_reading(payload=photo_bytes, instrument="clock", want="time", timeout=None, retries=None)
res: 3:19:22
